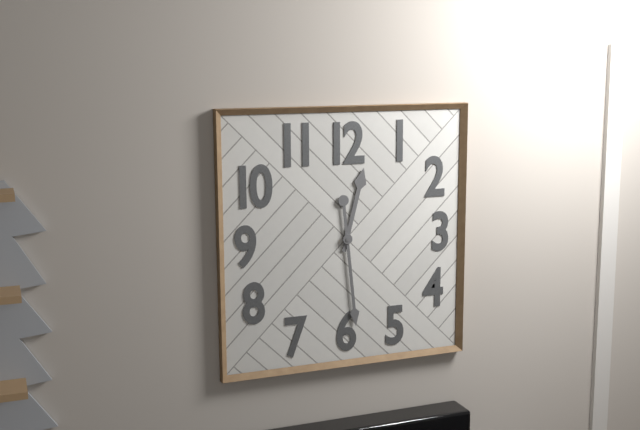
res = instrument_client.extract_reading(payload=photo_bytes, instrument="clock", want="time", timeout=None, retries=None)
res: 12:29
